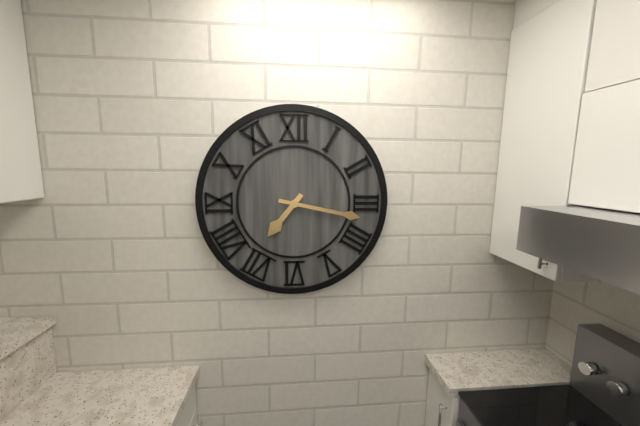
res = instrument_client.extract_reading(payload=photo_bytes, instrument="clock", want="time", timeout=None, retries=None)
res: 7:17
